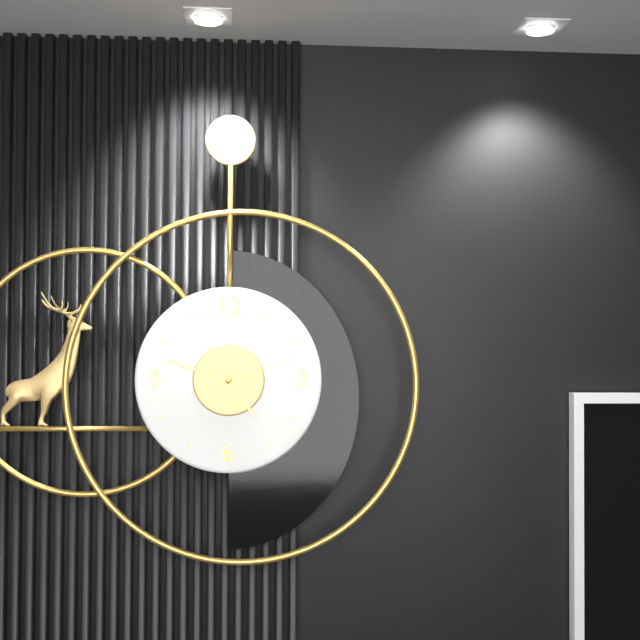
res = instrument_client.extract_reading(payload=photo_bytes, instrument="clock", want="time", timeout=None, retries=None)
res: 4:48:12
